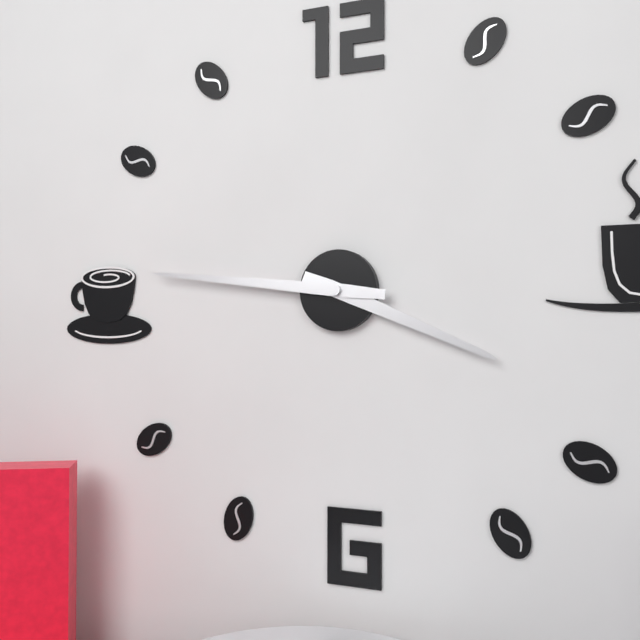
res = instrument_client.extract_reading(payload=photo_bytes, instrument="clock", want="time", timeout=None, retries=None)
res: 3:46
